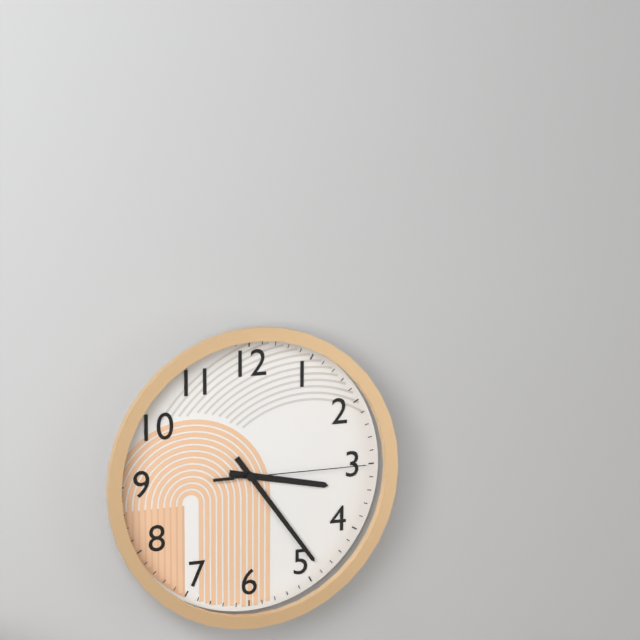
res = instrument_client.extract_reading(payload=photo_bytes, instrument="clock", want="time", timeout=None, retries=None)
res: 3:24:15
